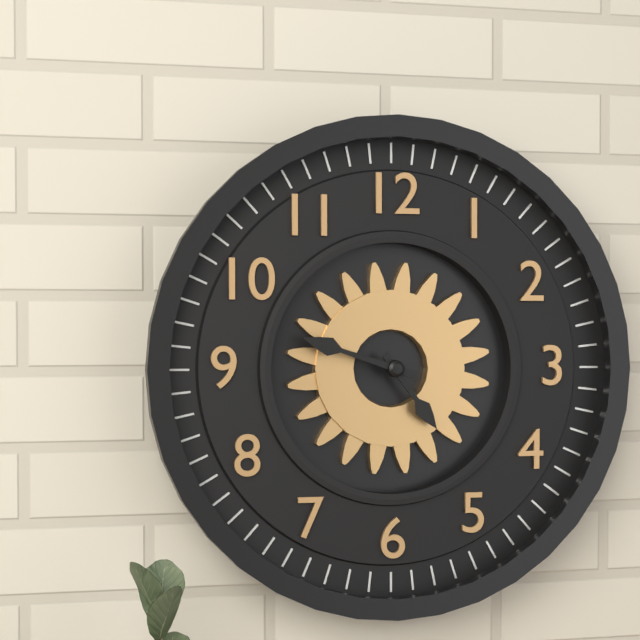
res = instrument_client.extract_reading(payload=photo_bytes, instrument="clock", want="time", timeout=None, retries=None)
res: 4:48
